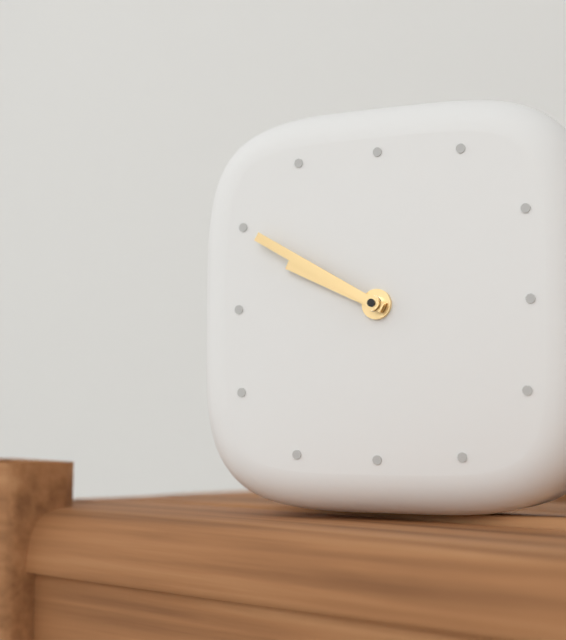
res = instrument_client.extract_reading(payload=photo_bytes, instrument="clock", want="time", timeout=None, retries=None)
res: 9:50
